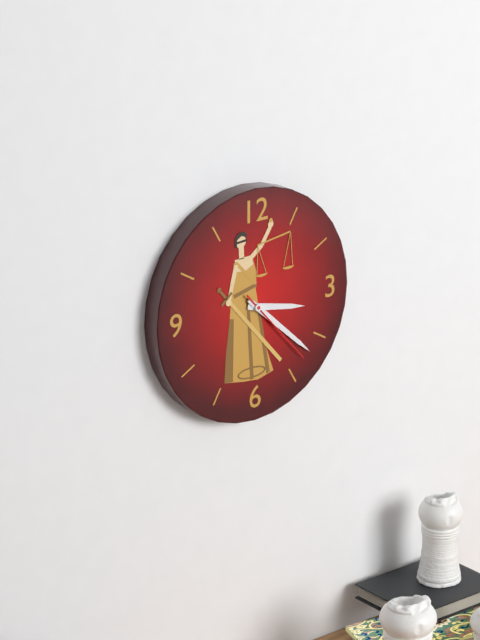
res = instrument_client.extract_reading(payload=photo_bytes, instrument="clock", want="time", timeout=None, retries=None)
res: 3:22:23
